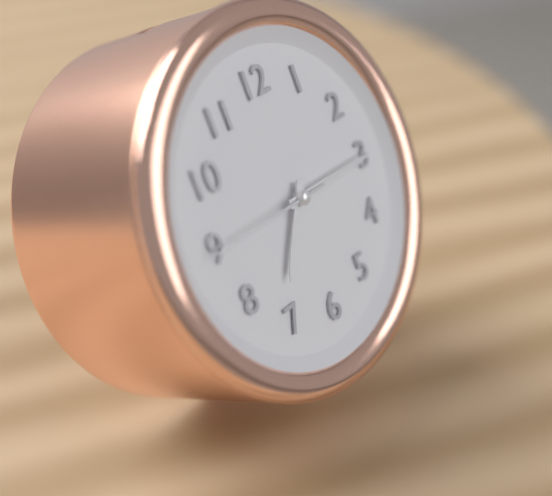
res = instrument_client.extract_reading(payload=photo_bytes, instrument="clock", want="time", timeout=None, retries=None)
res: 7:15:45
